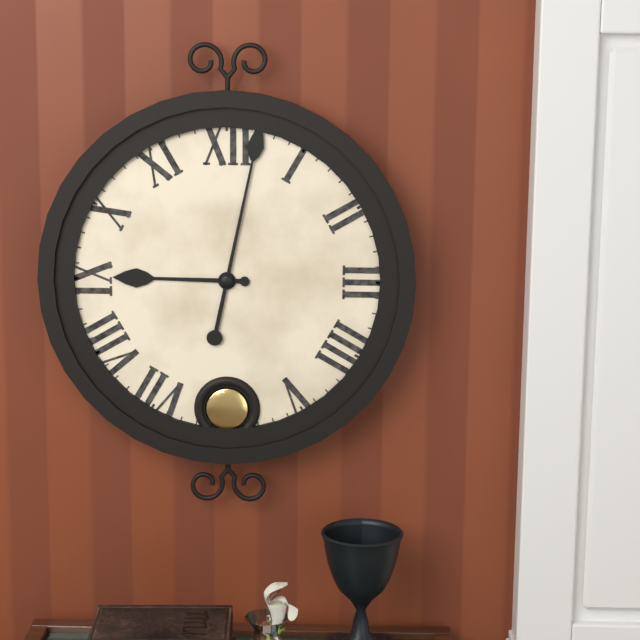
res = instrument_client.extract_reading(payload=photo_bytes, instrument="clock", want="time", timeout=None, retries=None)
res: 9:02
